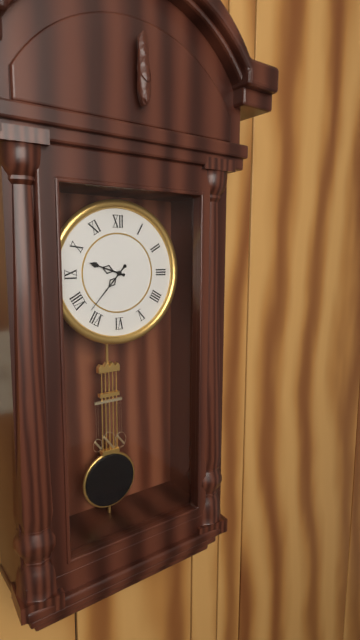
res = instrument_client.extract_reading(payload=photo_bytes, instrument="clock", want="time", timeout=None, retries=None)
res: 9:37
